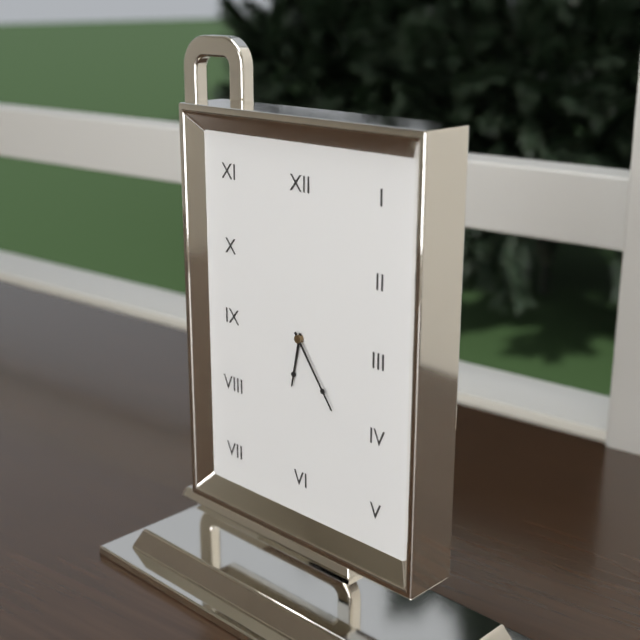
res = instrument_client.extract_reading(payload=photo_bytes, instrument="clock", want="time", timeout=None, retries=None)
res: 6:24
